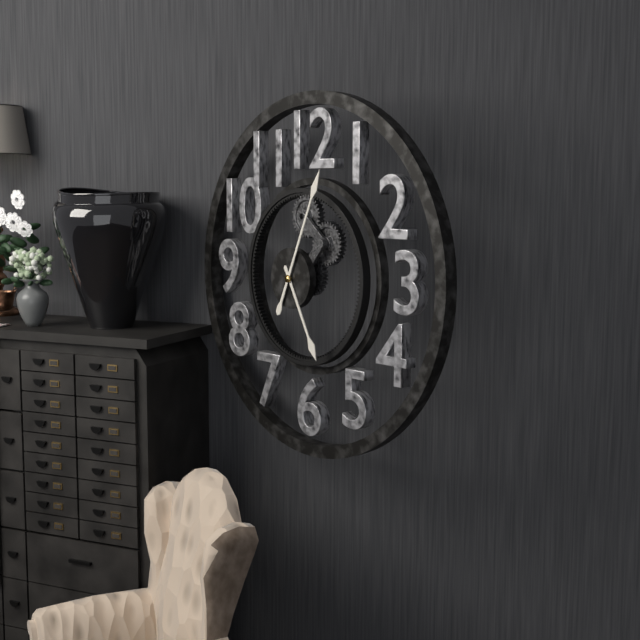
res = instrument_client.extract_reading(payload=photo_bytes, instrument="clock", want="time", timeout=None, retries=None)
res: 5:04
